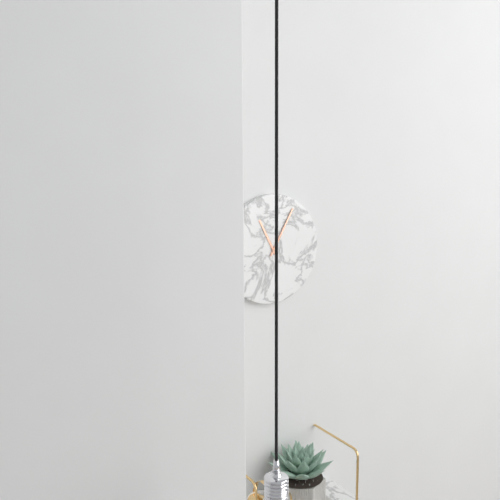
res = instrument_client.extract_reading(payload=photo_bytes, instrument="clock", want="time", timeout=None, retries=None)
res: 11:05
